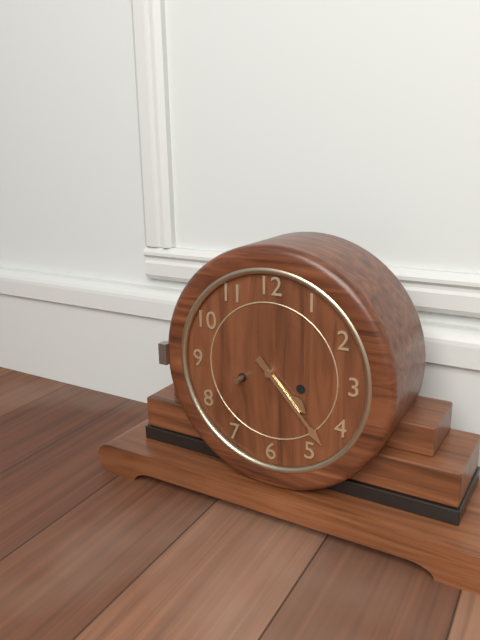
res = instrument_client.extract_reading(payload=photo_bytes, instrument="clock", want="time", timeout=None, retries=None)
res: 4:23
